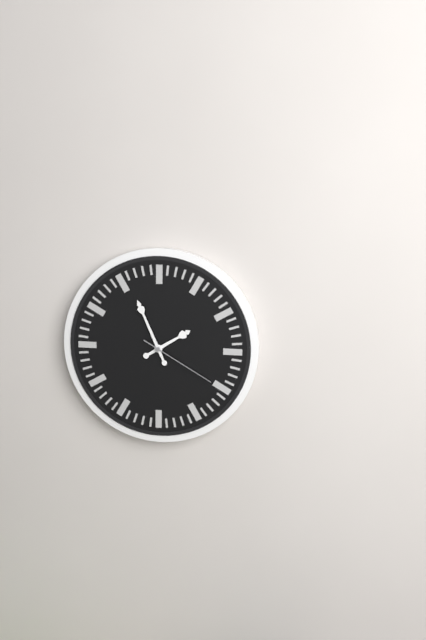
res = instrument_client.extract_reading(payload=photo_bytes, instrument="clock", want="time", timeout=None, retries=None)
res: 1:56:20
